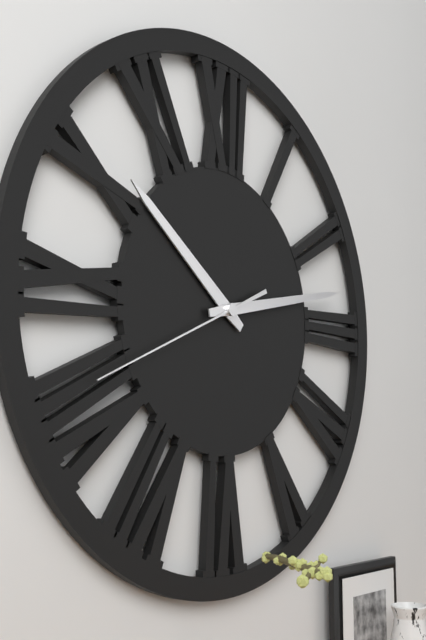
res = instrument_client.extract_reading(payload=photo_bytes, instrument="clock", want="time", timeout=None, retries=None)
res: 10:13:41
